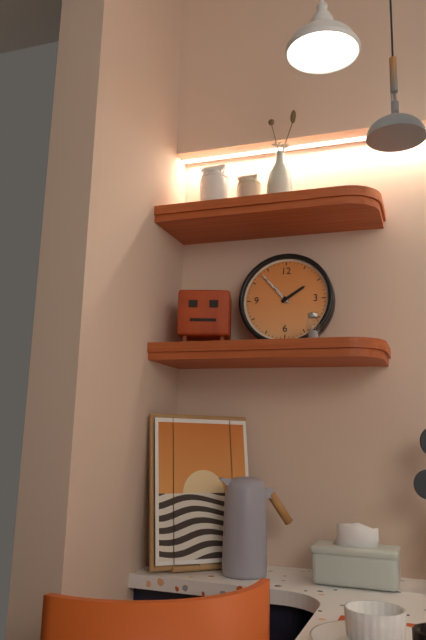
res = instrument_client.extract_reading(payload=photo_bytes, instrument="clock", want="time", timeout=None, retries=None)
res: 1:53
